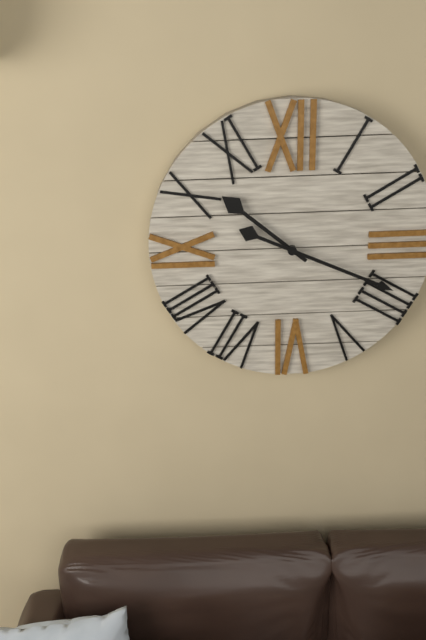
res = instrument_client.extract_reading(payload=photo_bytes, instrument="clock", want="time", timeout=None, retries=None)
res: 10:19
